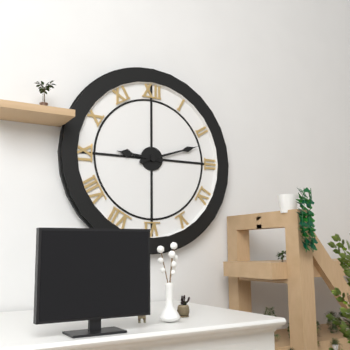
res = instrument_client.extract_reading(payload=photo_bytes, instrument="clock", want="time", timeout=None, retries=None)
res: 9:12
